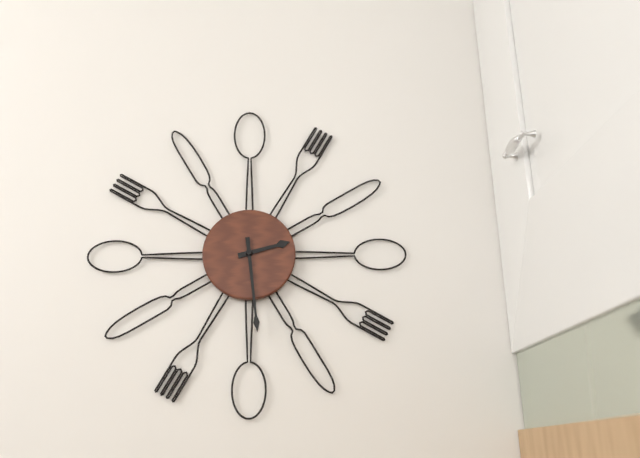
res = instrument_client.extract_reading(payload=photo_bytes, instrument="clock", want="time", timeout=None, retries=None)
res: 2:29
